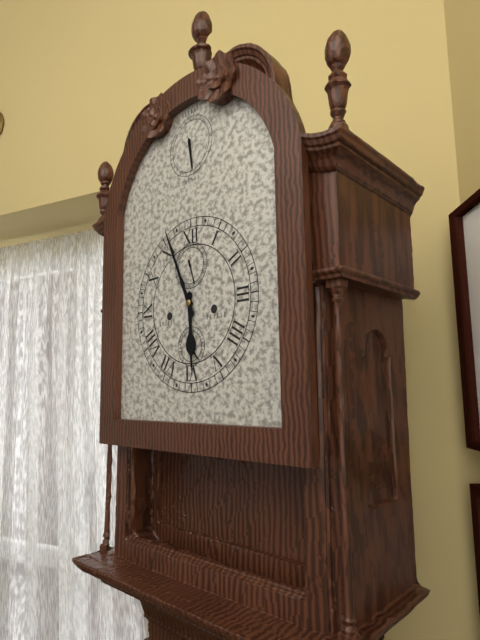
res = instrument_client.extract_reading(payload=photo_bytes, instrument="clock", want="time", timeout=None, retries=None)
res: 5:56
